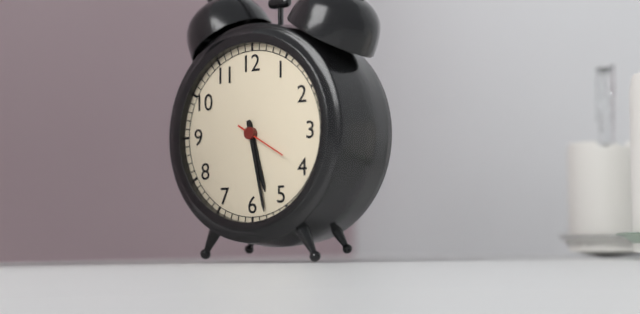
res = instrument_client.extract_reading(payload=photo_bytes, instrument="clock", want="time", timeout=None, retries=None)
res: 5:28
